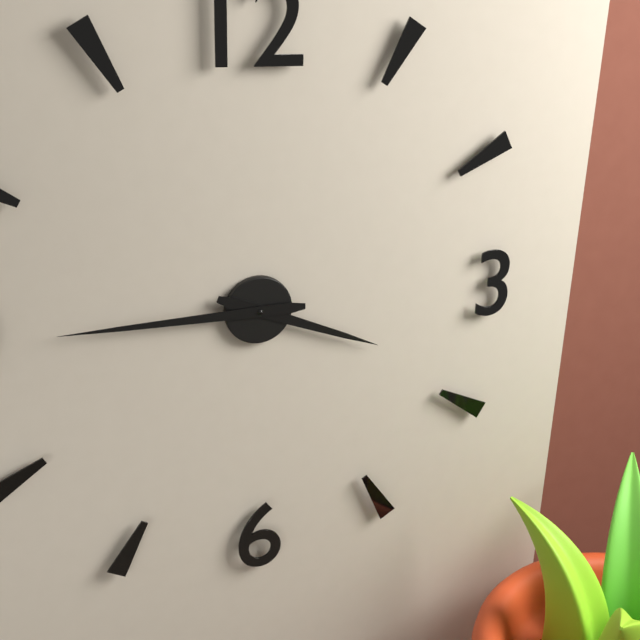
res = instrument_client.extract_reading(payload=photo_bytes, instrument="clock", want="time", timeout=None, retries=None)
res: 3:45
